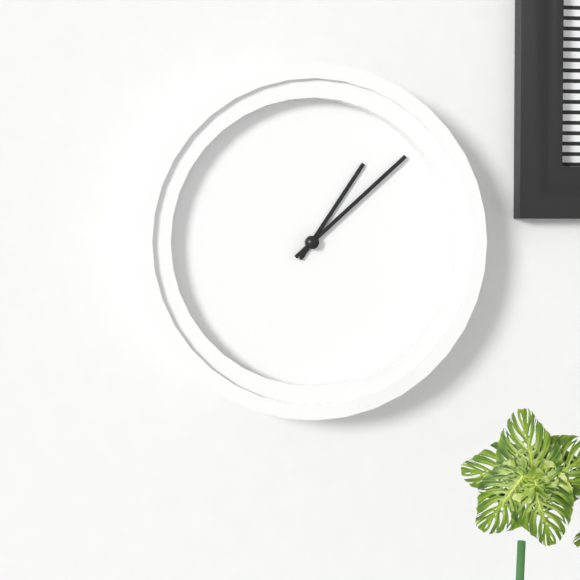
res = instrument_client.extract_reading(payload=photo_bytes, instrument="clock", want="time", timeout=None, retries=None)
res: 1:08
